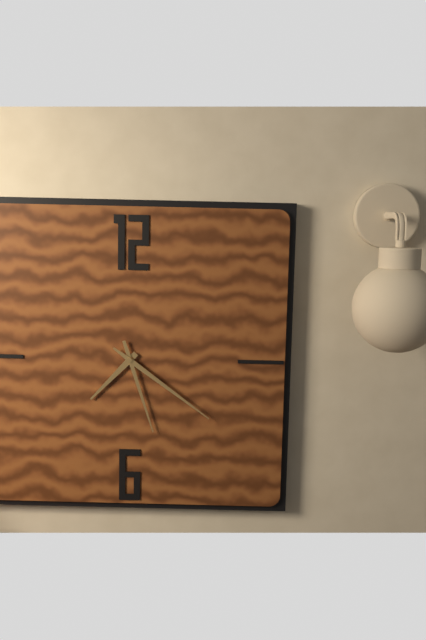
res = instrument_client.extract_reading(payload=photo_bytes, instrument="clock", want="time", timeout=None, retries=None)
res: 7:27:21
